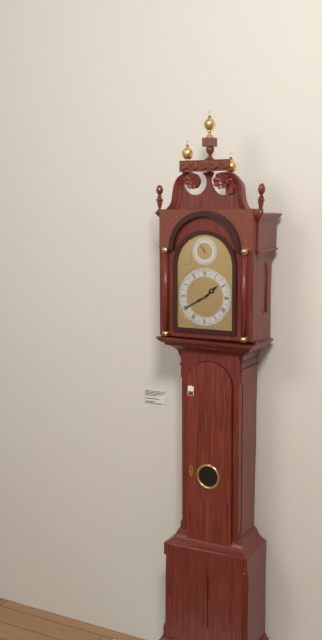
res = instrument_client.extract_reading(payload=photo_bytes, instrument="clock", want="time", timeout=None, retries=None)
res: 1:40
